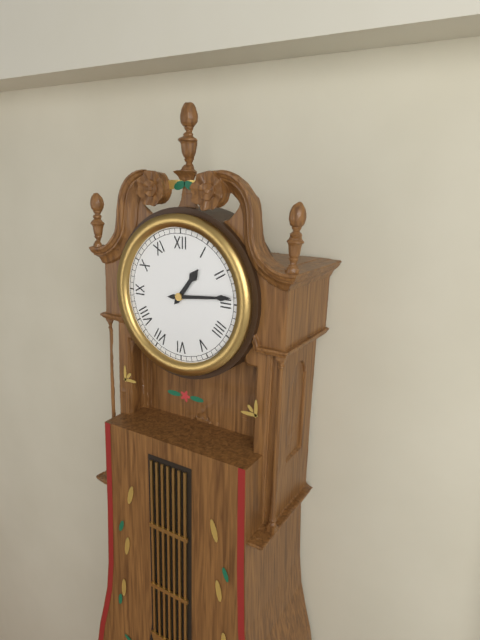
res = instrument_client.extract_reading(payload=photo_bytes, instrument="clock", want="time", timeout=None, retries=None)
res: 1:14
